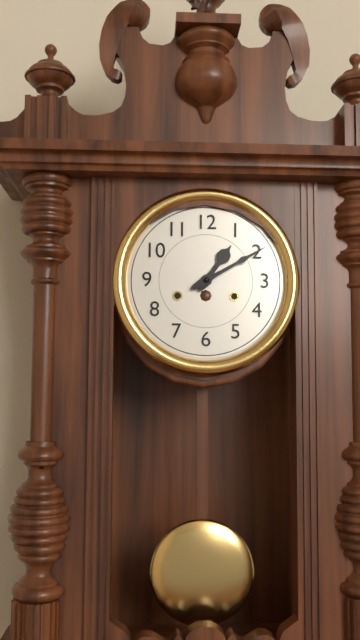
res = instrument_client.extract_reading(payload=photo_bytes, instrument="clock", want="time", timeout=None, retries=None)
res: 1:10
